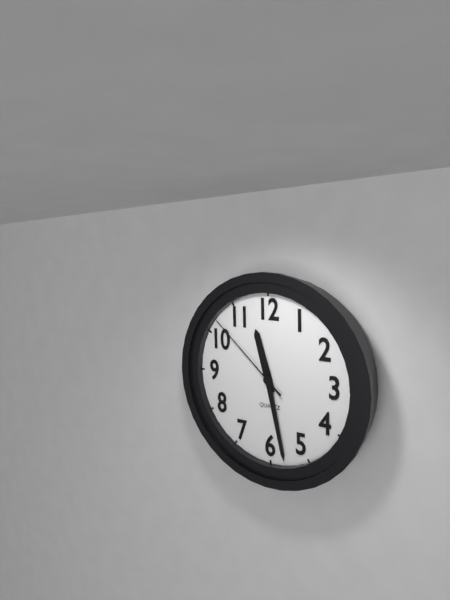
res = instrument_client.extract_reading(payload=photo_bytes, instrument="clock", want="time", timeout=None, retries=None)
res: 11:28:52
